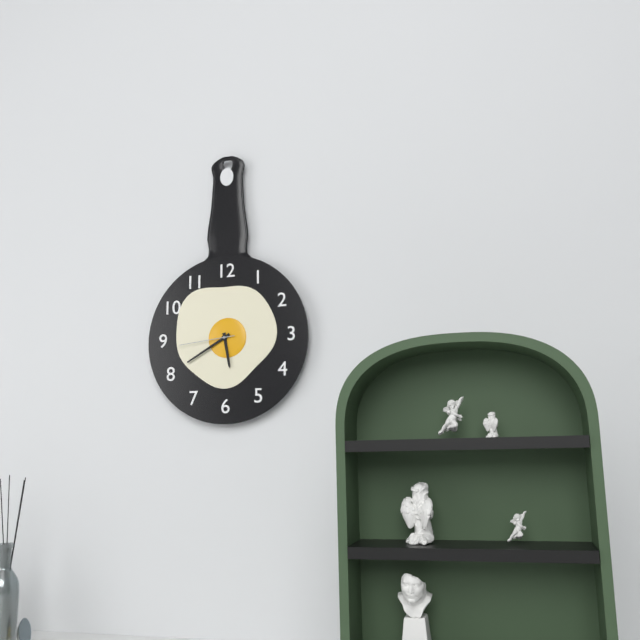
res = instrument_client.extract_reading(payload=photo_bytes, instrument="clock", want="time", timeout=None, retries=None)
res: 5:40:44
